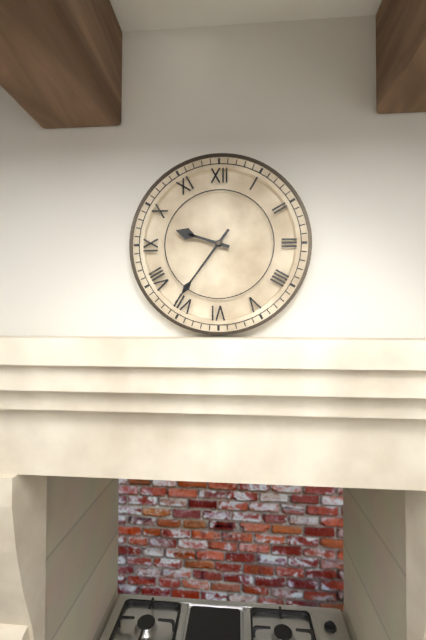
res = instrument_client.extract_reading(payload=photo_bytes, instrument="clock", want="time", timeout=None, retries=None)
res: 9:36
